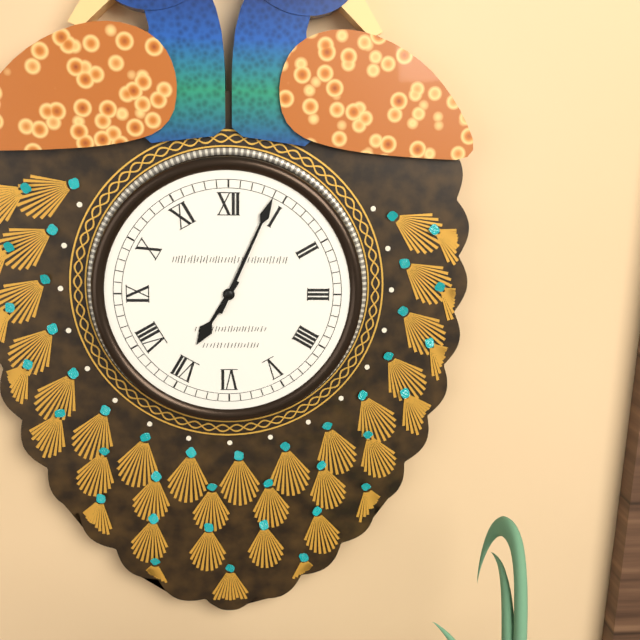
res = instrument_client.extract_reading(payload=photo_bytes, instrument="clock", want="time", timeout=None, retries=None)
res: 7:04
